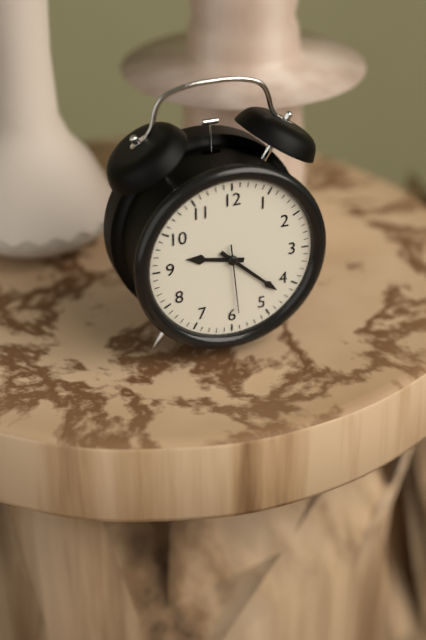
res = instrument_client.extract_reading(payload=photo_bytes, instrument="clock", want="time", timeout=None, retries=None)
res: 9:22:29
